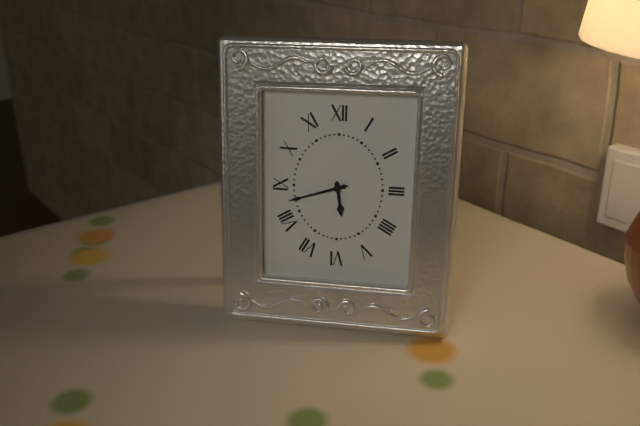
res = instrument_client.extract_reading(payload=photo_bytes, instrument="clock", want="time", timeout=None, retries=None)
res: 5:42
